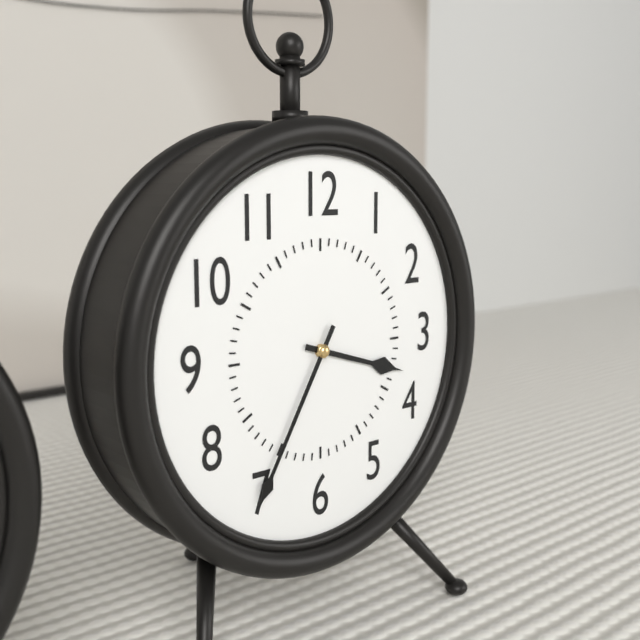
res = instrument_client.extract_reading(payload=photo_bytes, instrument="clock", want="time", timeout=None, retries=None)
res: 3:35
